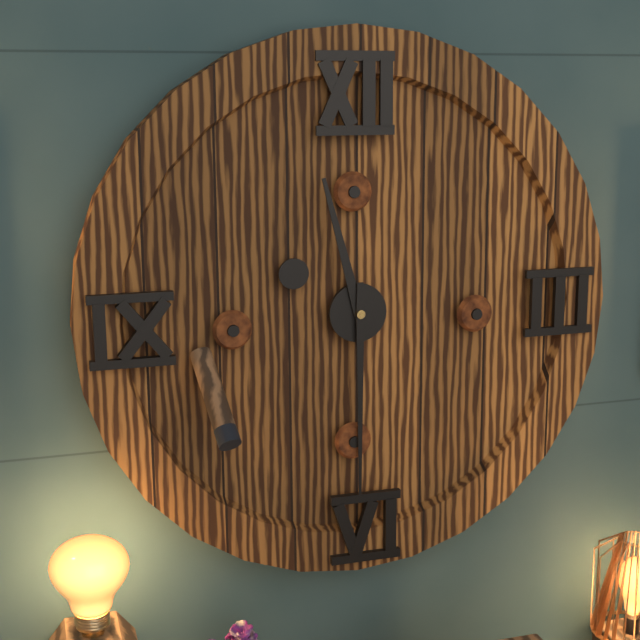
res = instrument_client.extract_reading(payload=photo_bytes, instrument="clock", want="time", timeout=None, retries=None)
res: 11:30
